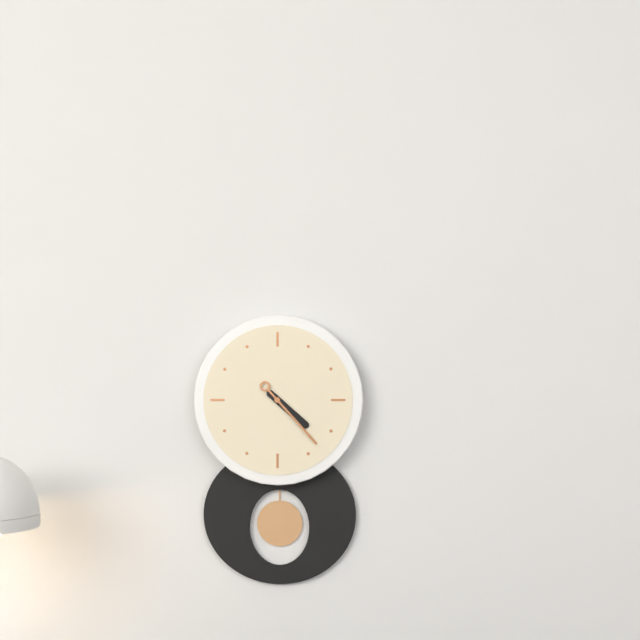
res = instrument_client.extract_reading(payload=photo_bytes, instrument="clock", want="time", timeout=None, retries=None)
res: 4:23
